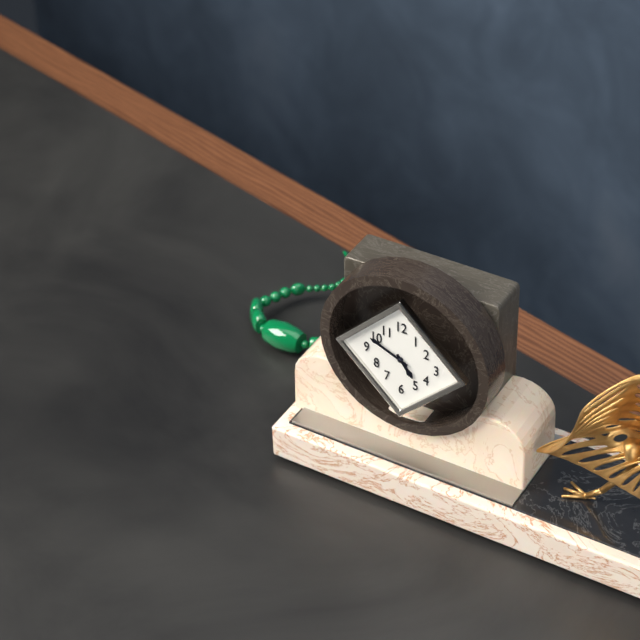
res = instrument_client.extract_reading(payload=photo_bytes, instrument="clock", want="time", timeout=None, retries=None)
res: 4:49
